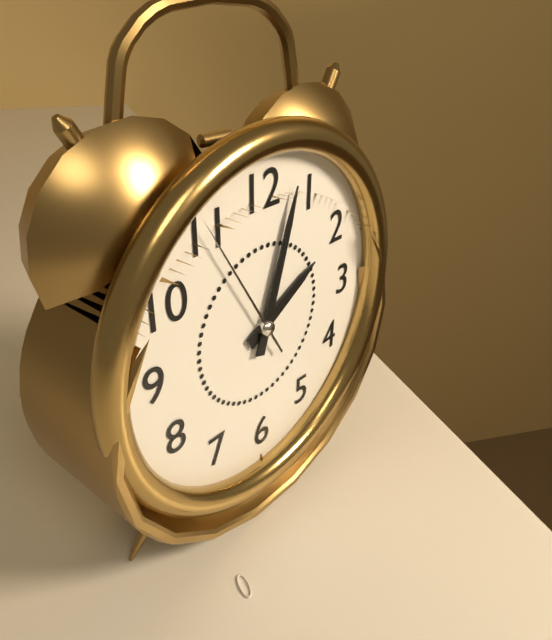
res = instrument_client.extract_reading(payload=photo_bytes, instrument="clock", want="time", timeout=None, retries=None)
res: 2:03:55
